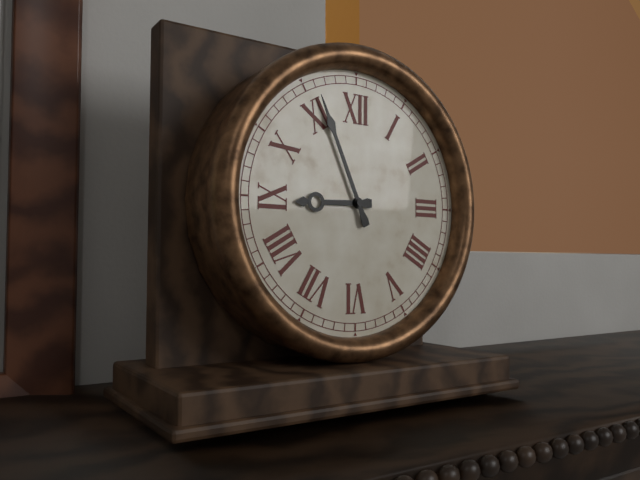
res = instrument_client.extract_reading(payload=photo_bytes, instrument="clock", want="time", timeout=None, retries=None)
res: 8:56
